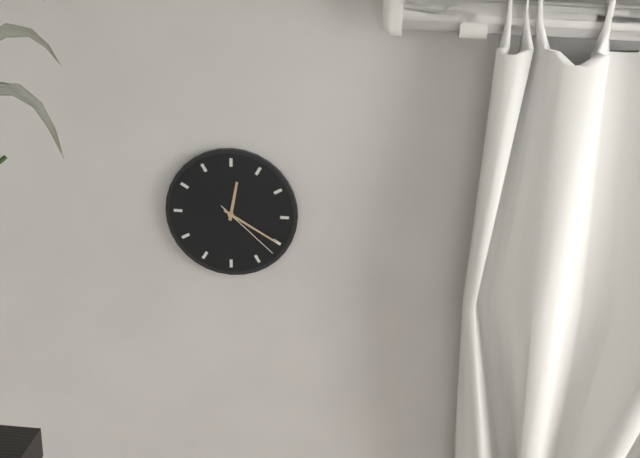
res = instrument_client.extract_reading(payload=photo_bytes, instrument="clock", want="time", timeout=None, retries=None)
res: 12:20:22
